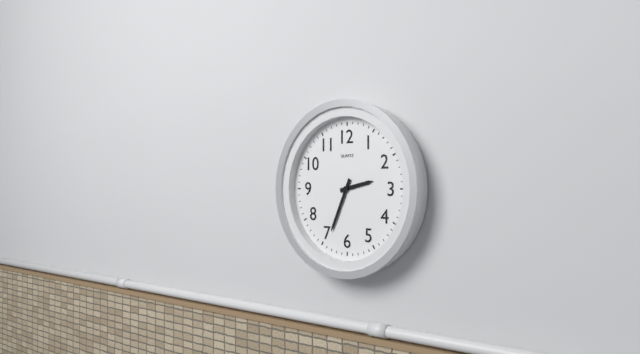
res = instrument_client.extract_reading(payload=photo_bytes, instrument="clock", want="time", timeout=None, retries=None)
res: 2:34
